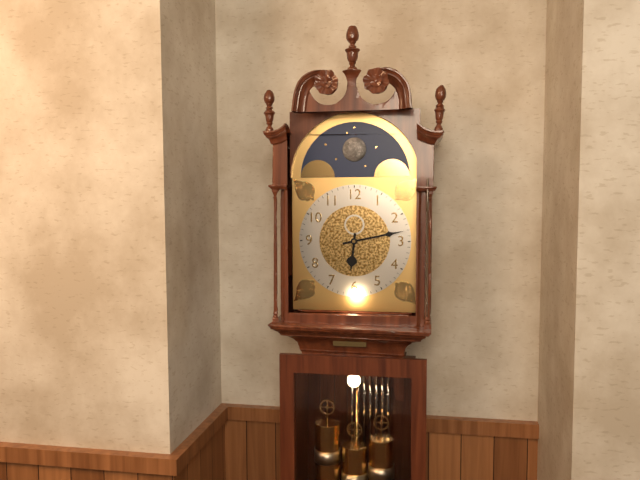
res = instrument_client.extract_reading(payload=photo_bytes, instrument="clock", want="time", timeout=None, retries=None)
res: 6:13
